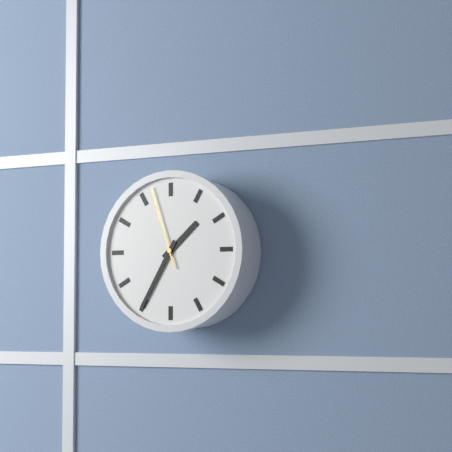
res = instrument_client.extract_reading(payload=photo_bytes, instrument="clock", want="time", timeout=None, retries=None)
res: 1:35:57
